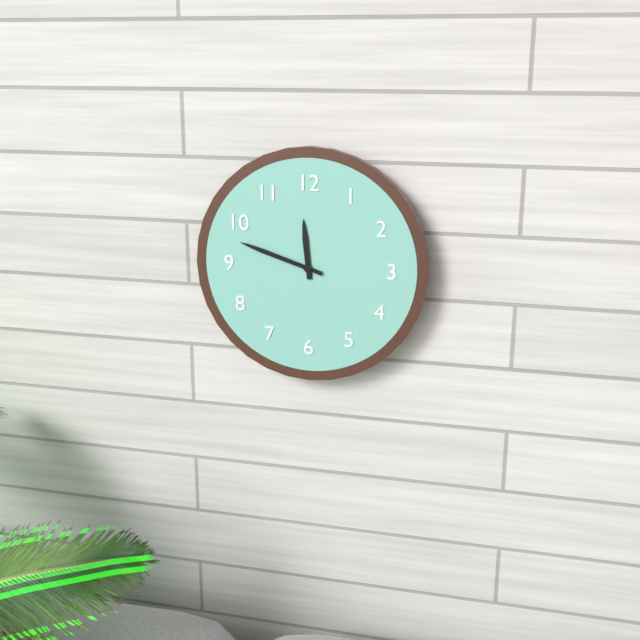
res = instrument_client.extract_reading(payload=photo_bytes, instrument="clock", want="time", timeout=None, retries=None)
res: 11:48
